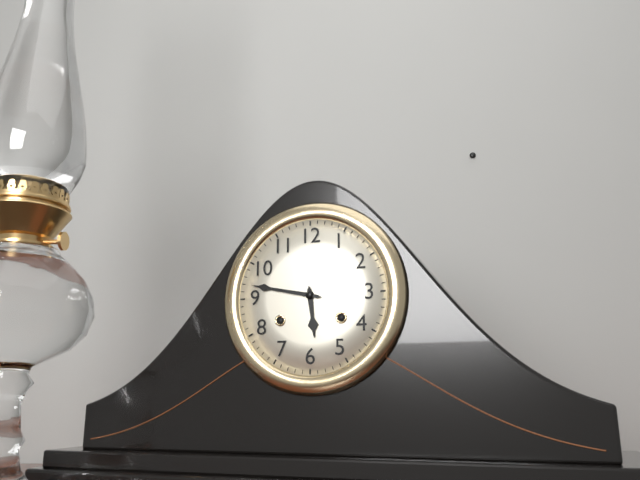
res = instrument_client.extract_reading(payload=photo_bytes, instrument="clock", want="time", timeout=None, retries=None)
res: 5:47
